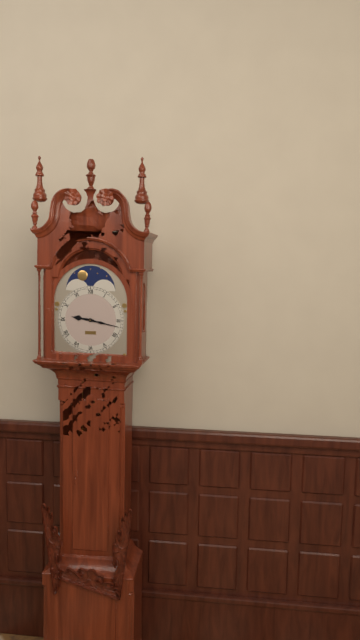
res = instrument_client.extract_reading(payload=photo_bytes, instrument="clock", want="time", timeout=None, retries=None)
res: 9:17
